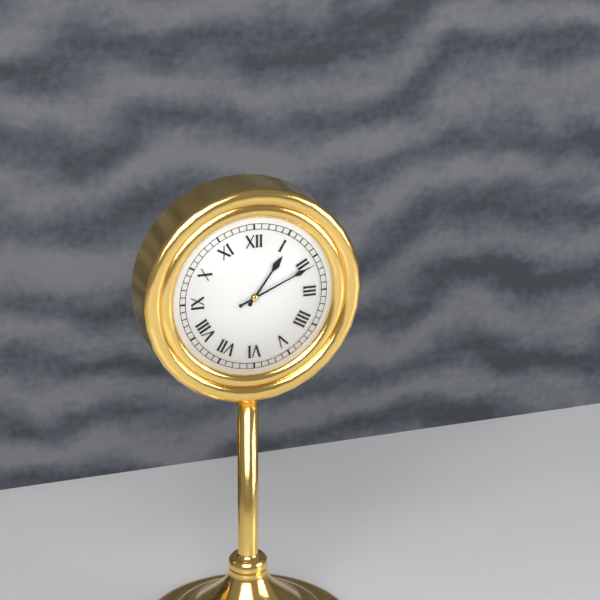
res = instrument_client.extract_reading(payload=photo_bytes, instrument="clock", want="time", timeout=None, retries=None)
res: 1:11
